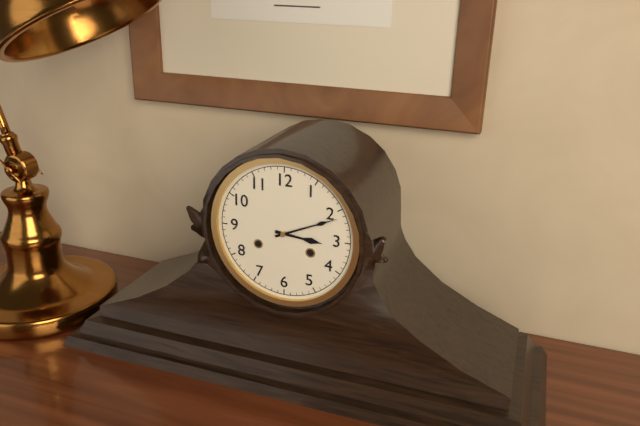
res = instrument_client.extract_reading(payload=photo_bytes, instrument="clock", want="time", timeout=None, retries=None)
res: 3:11
